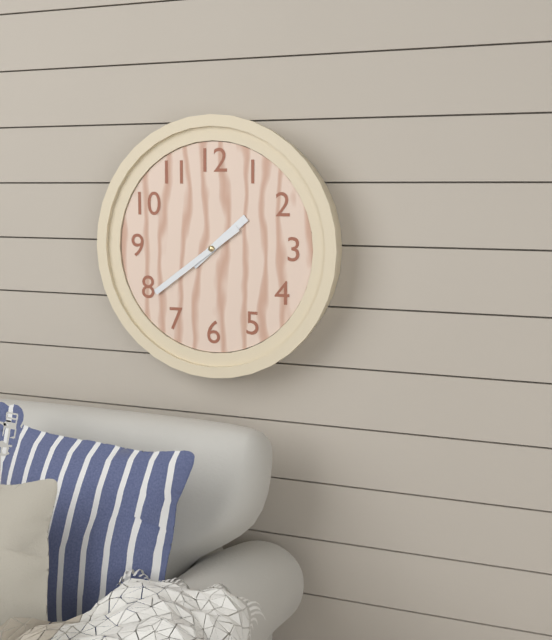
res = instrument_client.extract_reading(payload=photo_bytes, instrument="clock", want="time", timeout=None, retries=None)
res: 1:39
